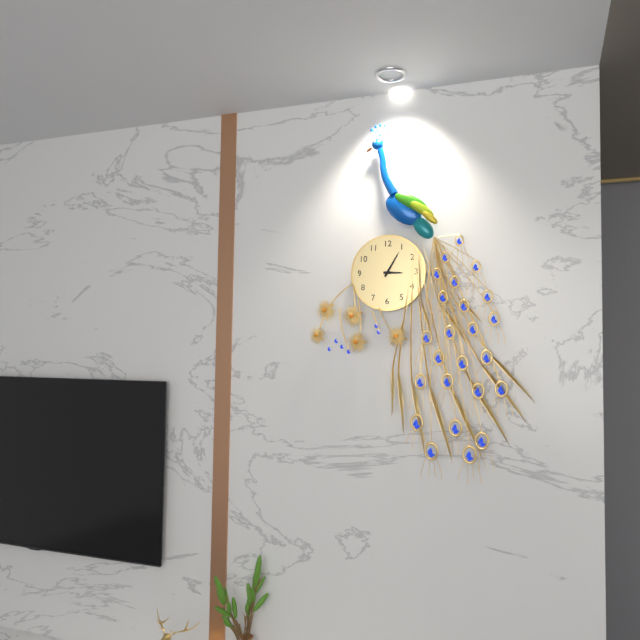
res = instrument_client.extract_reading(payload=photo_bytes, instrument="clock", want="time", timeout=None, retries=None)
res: 3:05
